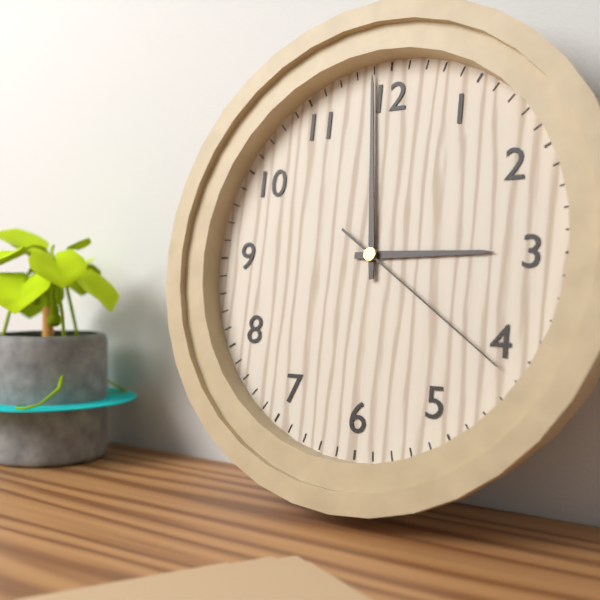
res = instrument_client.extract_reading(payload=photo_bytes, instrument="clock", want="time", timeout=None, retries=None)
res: 2:59:21
